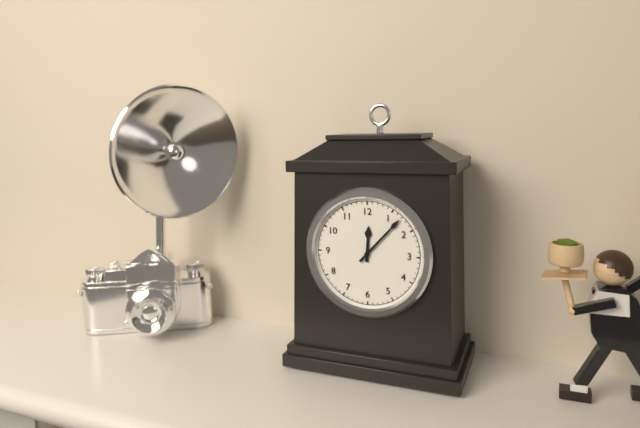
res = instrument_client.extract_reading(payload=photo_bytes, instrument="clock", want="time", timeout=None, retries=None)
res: 12:07
